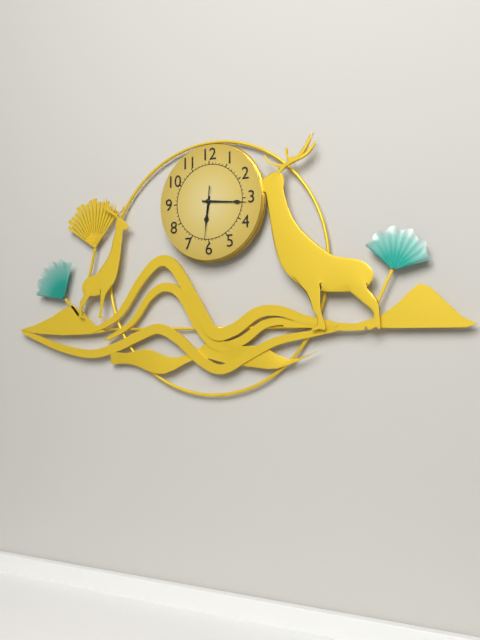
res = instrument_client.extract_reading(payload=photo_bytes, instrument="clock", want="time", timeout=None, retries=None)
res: 6:16
